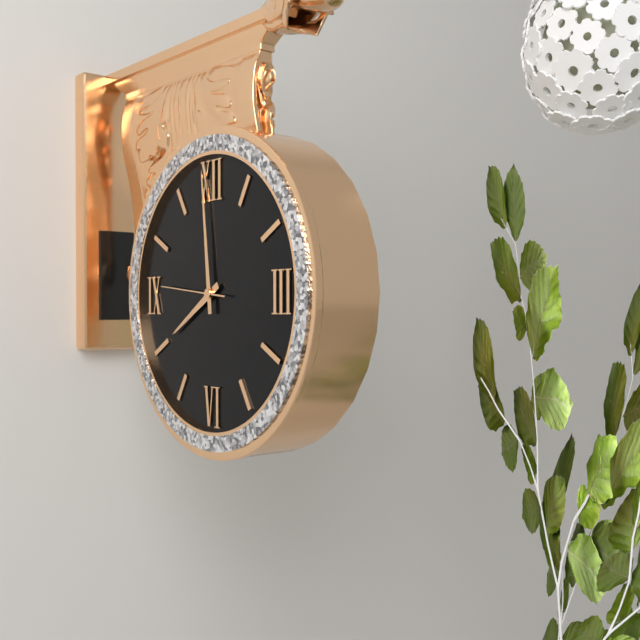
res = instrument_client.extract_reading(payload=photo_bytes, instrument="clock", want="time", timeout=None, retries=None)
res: 7:59:46
